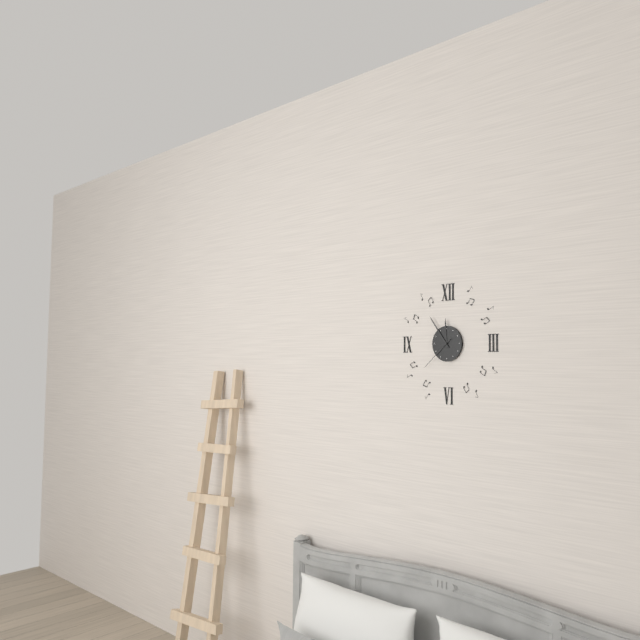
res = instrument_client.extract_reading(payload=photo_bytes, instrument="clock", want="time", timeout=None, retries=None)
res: 11:54
